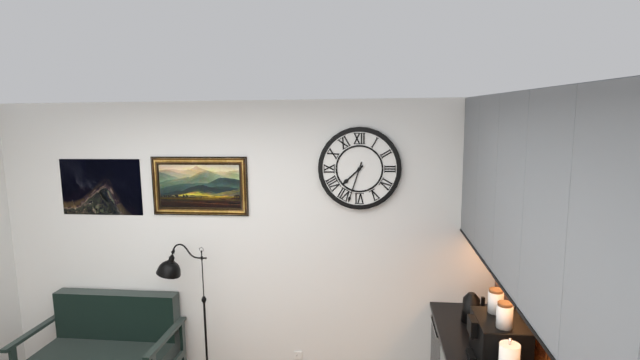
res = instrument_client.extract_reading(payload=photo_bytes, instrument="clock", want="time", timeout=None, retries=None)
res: 7:33
